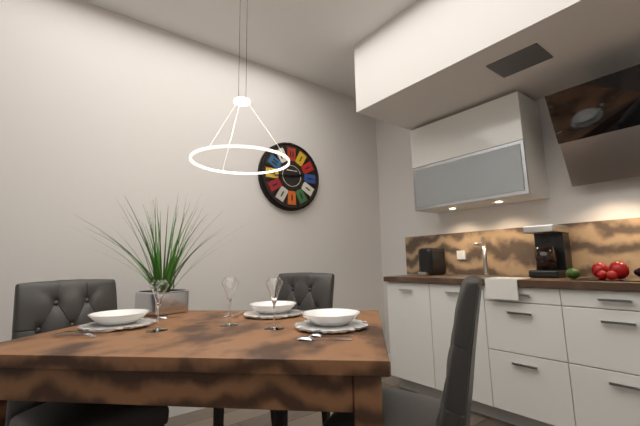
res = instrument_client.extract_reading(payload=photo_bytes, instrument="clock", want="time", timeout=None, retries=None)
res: 2:44
